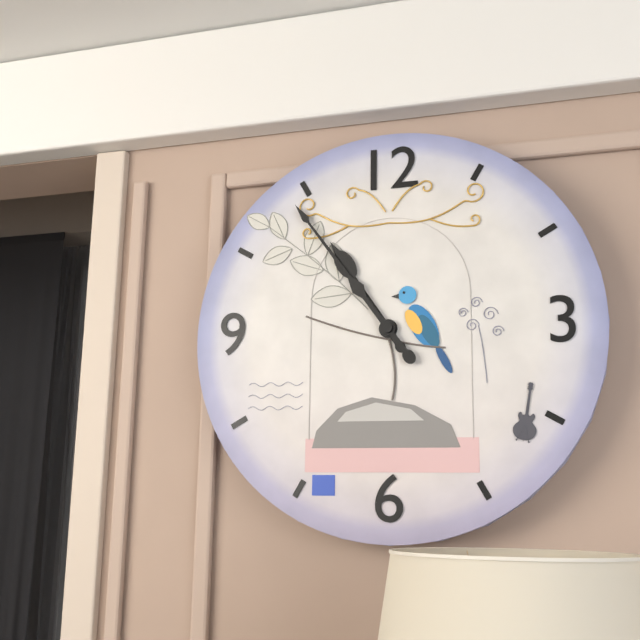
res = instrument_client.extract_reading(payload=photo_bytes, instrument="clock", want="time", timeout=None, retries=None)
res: 10:54
